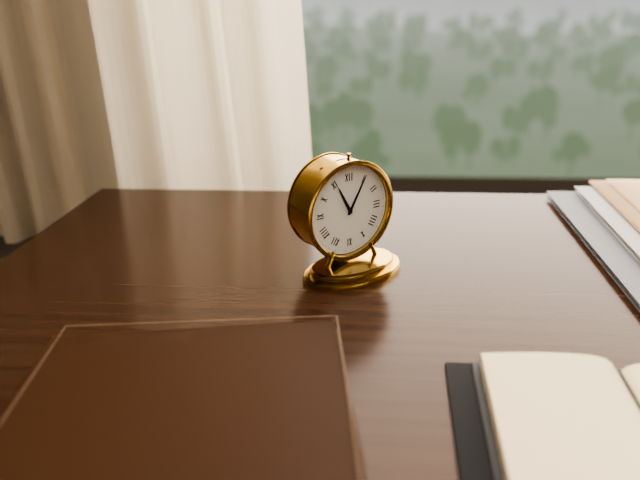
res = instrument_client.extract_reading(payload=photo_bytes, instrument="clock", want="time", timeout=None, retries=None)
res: 11:05
